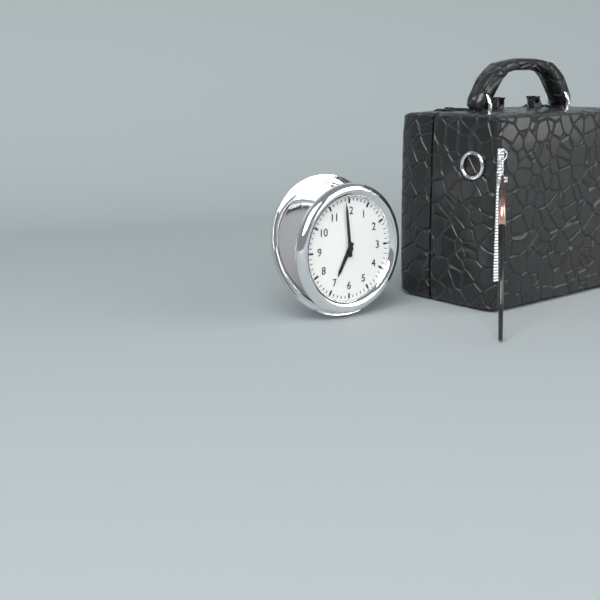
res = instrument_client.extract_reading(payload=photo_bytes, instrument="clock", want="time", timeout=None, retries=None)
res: 6:59
